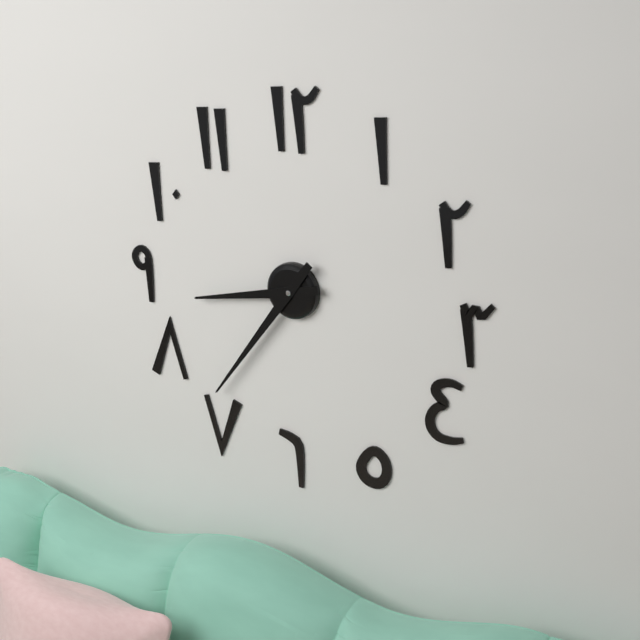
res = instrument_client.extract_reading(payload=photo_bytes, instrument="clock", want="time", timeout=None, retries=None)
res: 8:36
